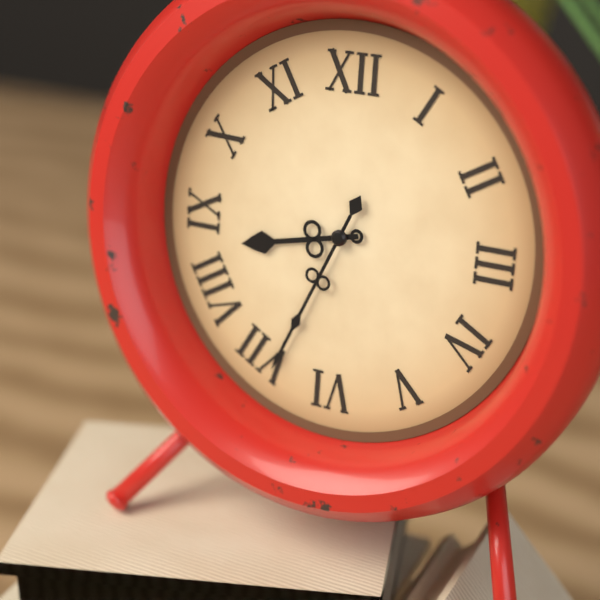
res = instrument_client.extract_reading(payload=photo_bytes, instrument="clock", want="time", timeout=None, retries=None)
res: 8:34
